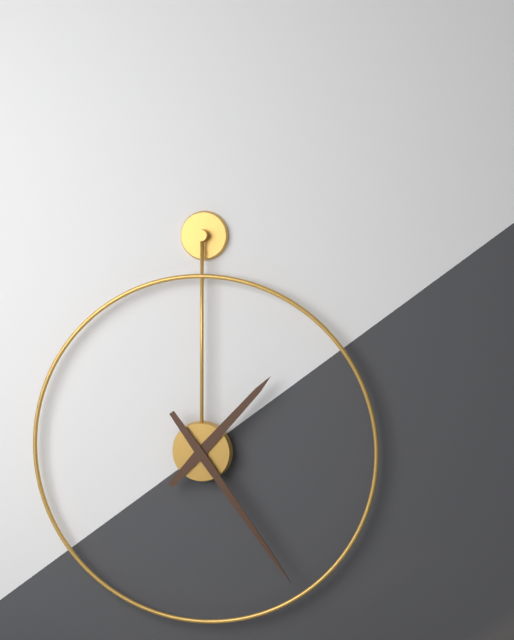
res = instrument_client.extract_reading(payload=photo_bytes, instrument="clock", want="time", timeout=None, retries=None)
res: 1:24
